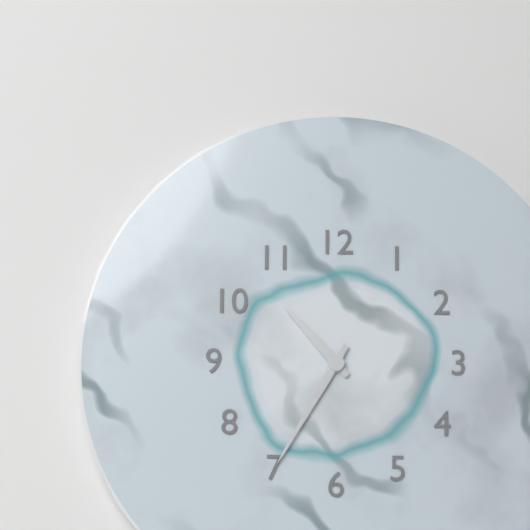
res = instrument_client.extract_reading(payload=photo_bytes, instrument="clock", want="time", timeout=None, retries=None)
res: 10:35
